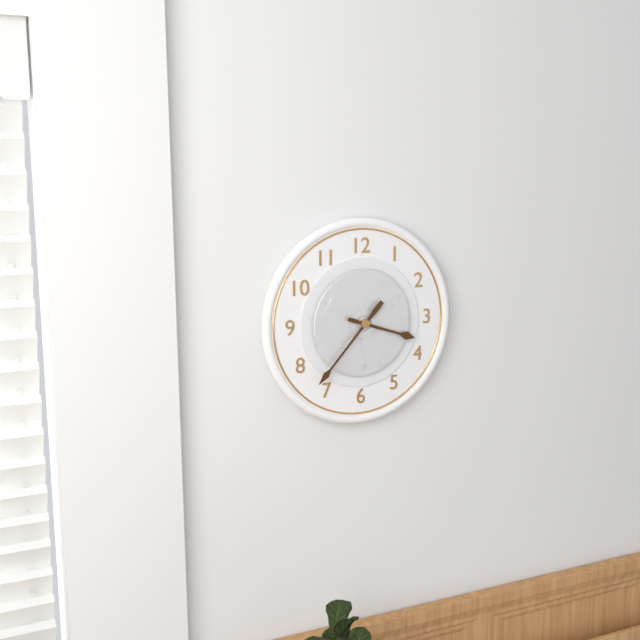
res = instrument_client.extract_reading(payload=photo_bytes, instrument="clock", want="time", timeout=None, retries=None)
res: 3:37
